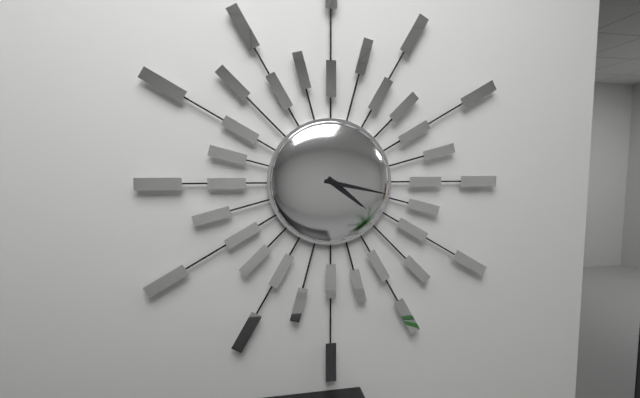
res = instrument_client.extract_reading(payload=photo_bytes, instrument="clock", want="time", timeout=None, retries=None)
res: 4:17
